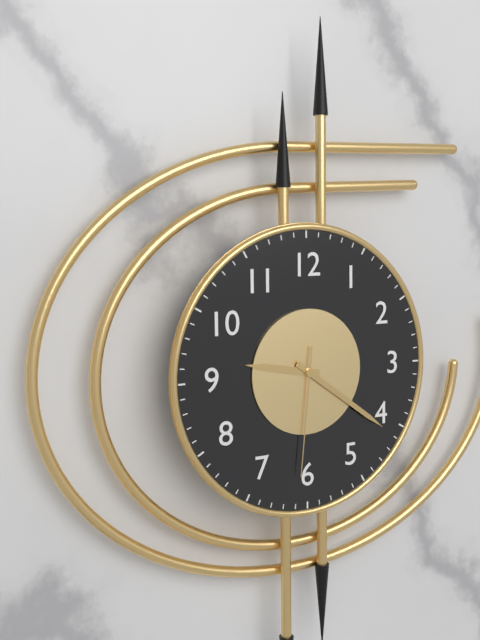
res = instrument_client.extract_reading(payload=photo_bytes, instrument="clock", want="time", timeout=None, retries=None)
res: 9:21:31
